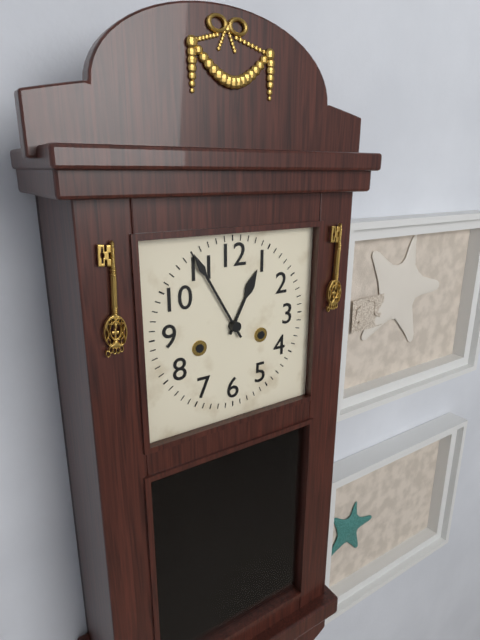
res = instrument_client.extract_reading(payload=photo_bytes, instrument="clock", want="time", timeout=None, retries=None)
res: 12:55
